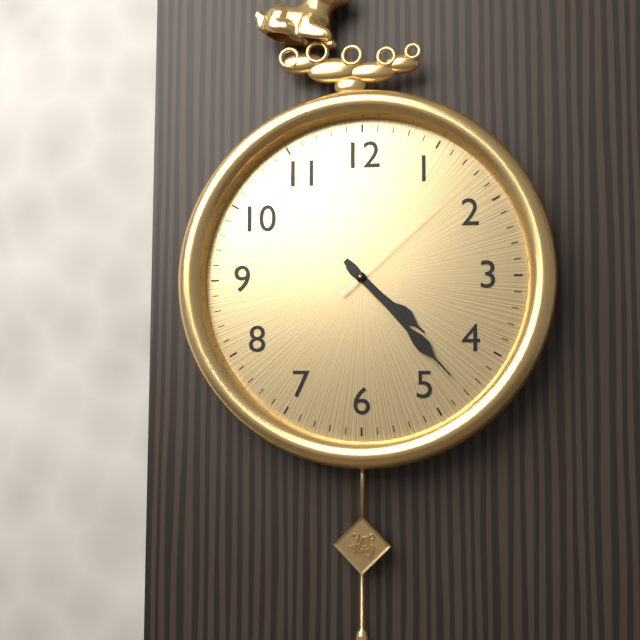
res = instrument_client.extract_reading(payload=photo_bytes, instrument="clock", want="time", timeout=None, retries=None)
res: 4:23:08
